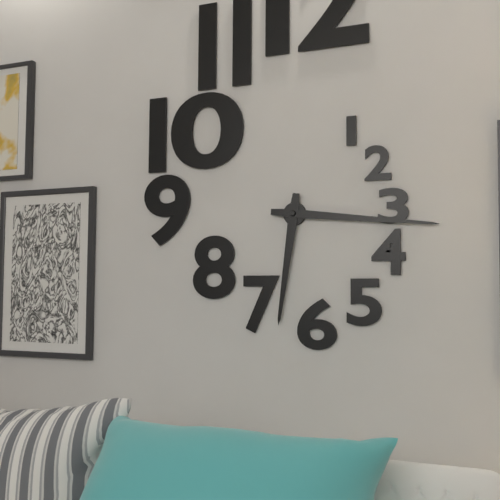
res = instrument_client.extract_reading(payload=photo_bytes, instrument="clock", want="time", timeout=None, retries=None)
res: 6:16
